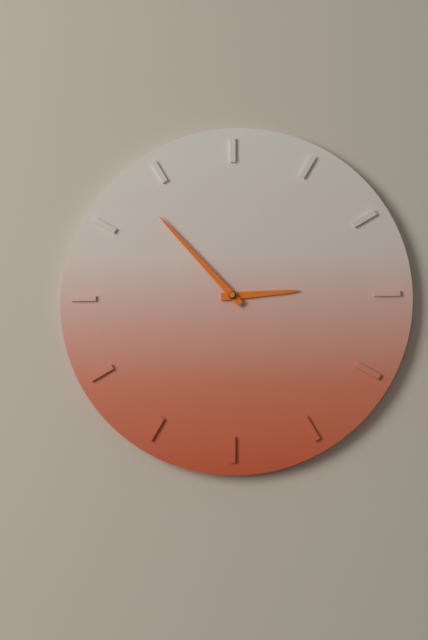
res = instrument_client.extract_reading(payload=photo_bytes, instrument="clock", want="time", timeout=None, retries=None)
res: 2:53
